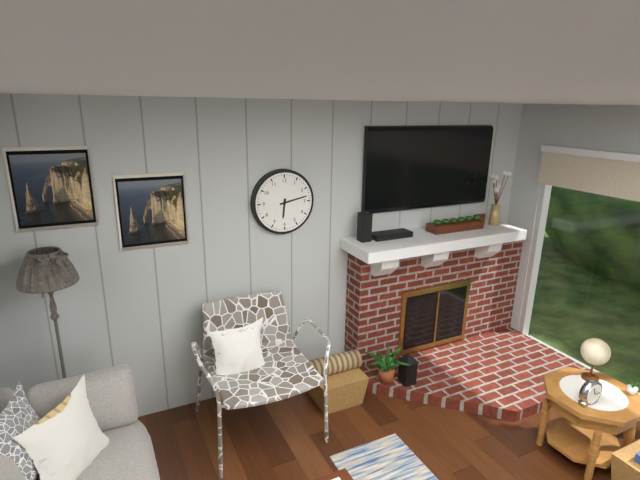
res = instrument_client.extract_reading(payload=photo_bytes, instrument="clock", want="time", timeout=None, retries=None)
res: 6:13
